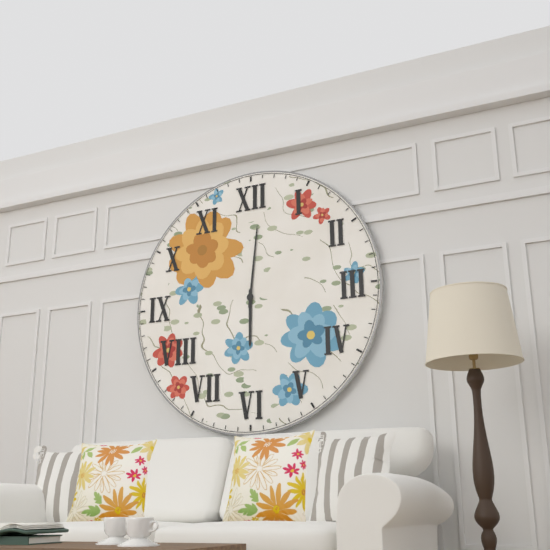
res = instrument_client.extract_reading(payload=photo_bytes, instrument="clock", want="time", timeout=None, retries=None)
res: 6:01
